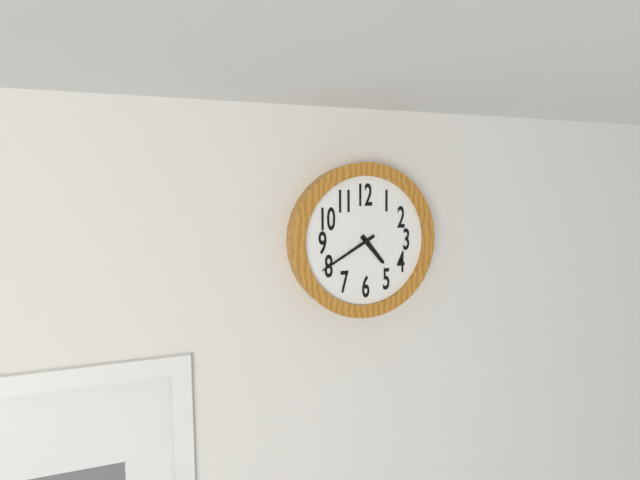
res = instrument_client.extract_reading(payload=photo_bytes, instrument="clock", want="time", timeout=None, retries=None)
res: 4:40
